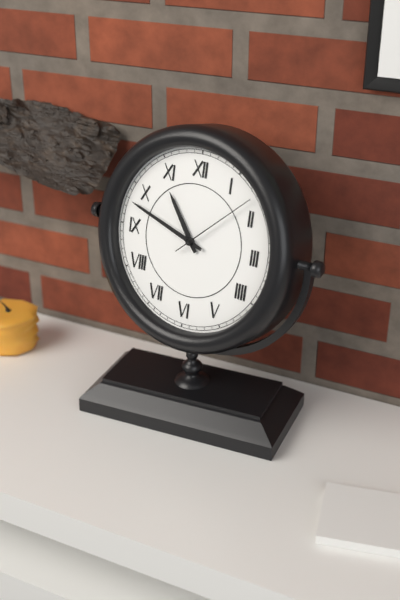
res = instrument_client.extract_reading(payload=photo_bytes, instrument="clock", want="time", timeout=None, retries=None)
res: 10:48:08
